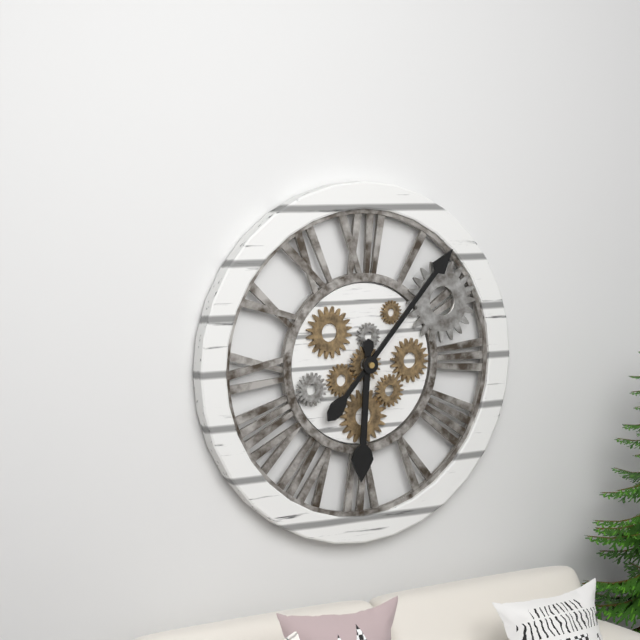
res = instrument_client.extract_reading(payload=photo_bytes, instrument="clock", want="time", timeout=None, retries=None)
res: 6:07
